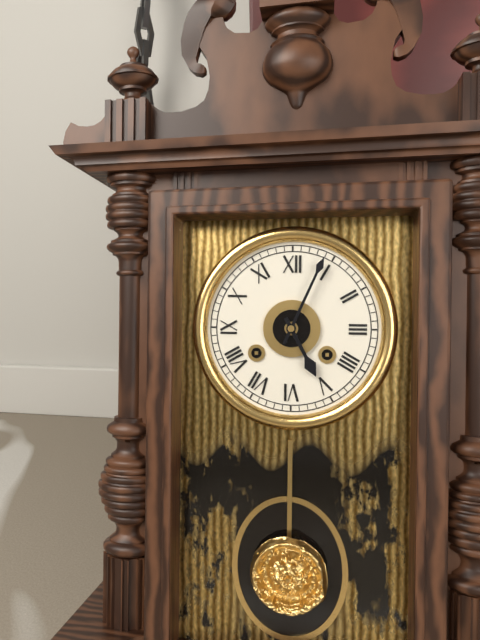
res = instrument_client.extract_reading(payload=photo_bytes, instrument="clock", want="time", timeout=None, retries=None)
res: 5:04
